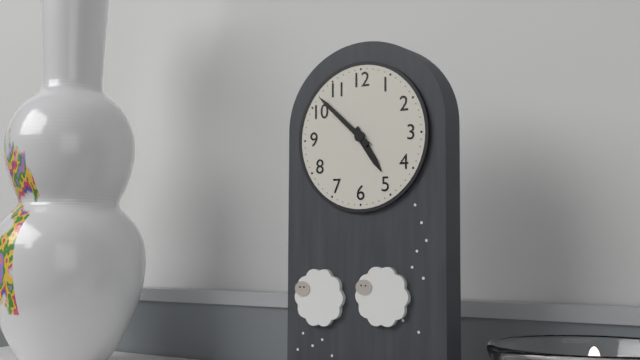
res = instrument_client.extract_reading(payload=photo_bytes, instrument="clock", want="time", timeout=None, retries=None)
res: 4:52
